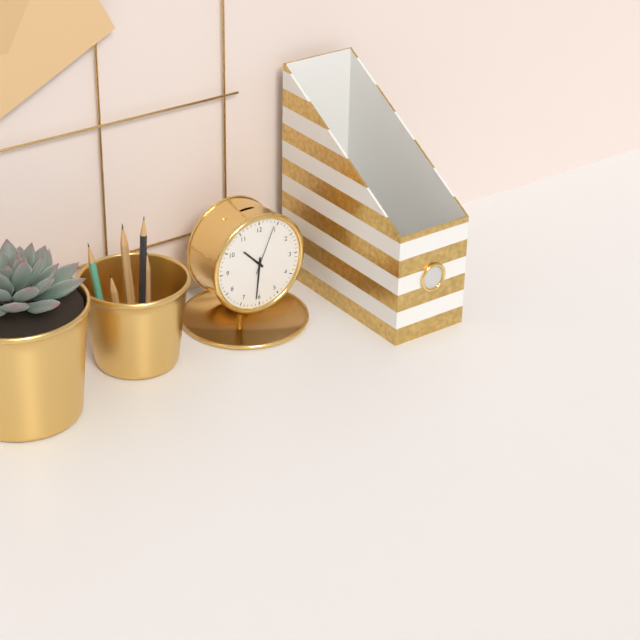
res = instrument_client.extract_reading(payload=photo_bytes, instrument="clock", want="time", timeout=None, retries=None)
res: 10:31:04
